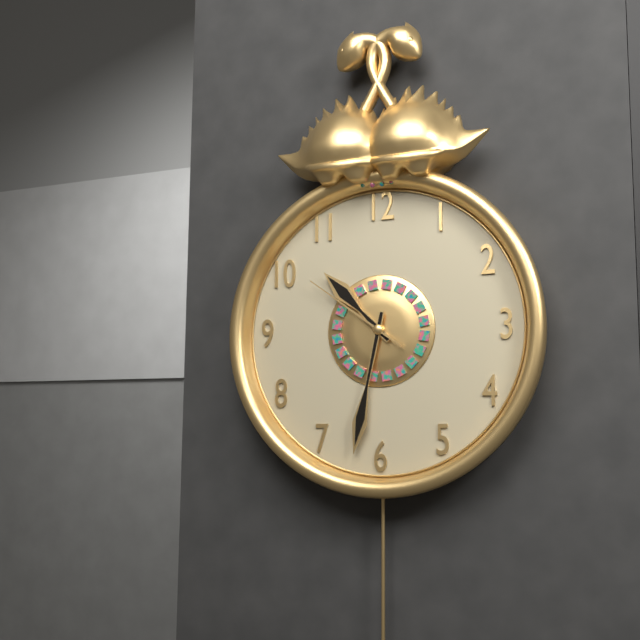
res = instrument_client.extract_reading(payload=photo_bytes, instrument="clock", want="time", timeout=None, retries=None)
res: 10:32:51
